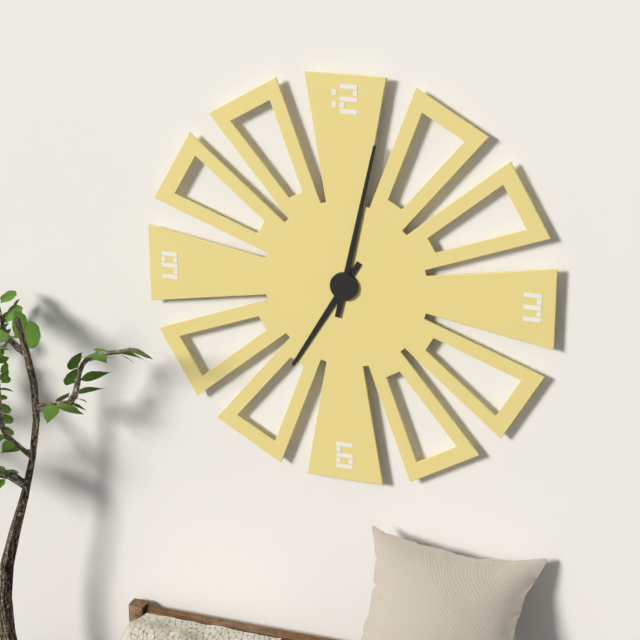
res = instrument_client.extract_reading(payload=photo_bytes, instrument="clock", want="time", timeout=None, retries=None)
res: 7:02
